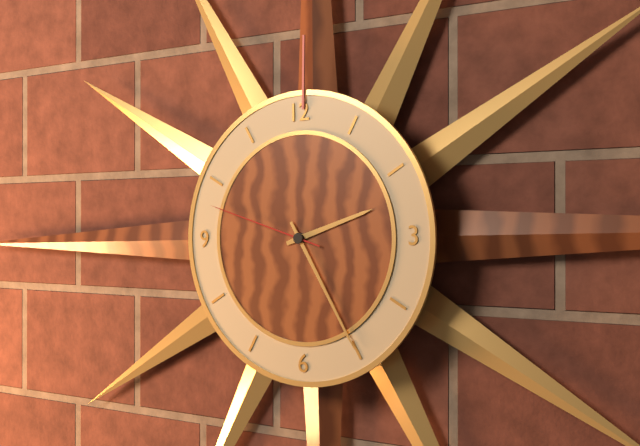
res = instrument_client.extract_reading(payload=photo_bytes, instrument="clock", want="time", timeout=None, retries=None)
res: 2:25:48
